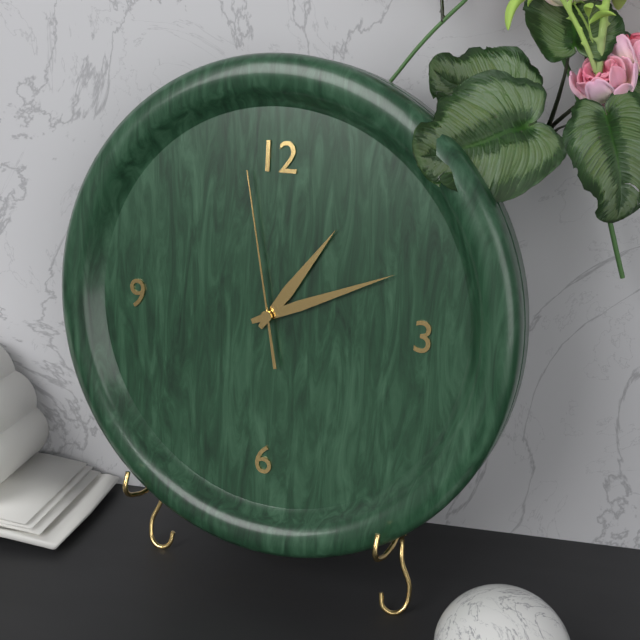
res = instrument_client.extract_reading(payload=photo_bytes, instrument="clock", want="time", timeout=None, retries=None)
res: 1:11:58
